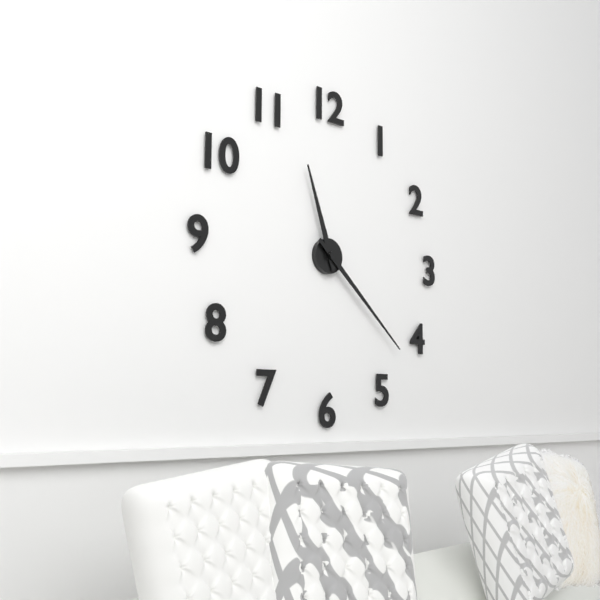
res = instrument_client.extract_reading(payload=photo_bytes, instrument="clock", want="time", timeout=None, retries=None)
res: 11:22
